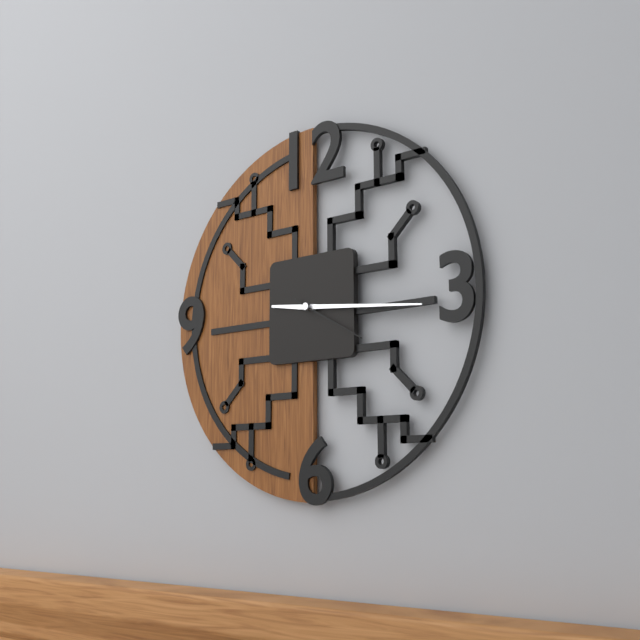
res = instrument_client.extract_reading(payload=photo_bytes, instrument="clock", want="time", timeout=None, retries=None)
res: 9:16:20
